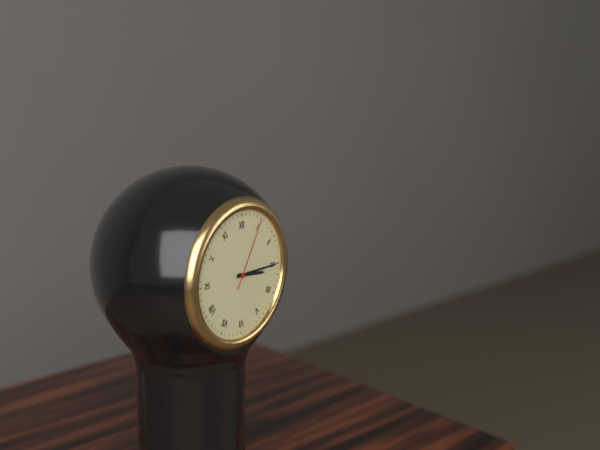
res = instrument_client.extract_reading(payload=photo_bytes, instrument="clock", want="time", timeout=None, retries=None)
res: 3:15:05
